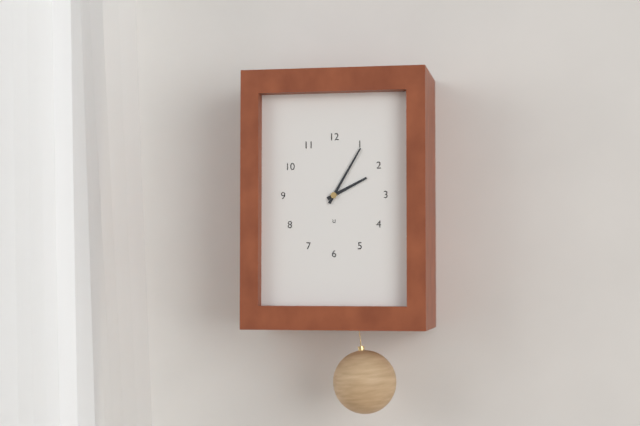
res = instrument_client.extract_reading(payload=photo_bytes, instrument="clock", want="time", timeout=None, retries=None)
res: 2:05
